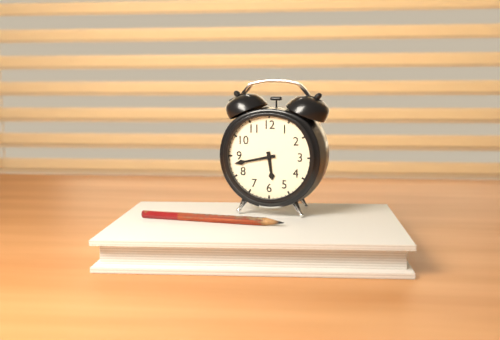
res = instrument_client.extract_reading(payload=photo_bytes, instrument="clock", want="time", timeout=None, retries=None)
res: 5:43
